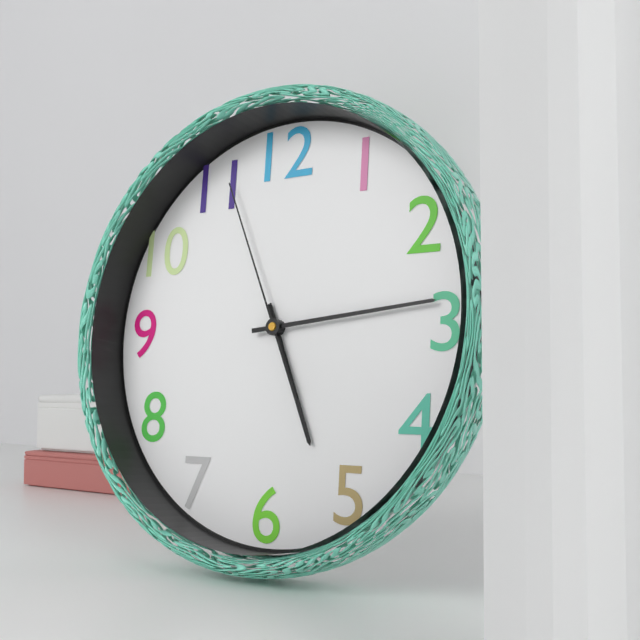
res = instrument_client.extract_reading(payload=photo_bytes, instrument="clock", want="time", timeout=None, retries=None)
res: 5:14:56
